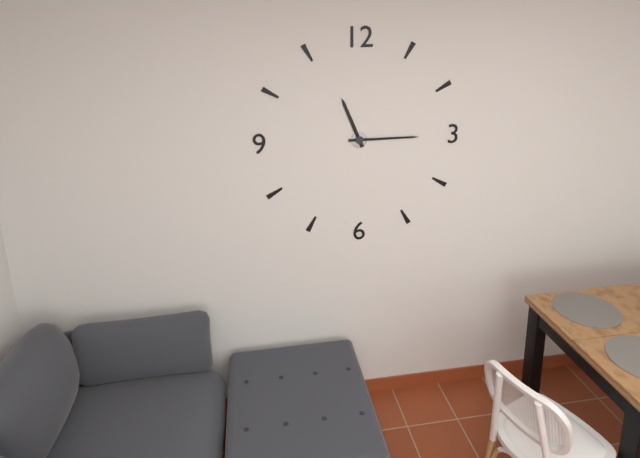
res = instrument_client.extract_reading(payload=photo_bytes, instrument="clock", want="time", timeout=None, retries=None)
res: 11:15
